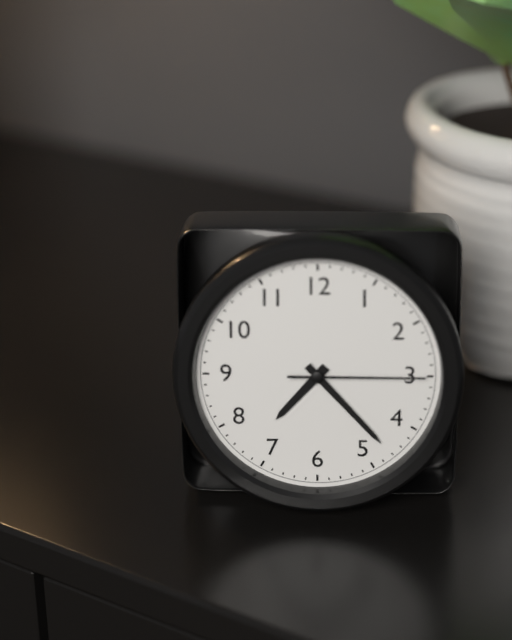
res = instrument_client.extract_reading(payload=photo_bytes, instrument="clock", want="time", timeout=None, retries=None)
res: 7:23:15
